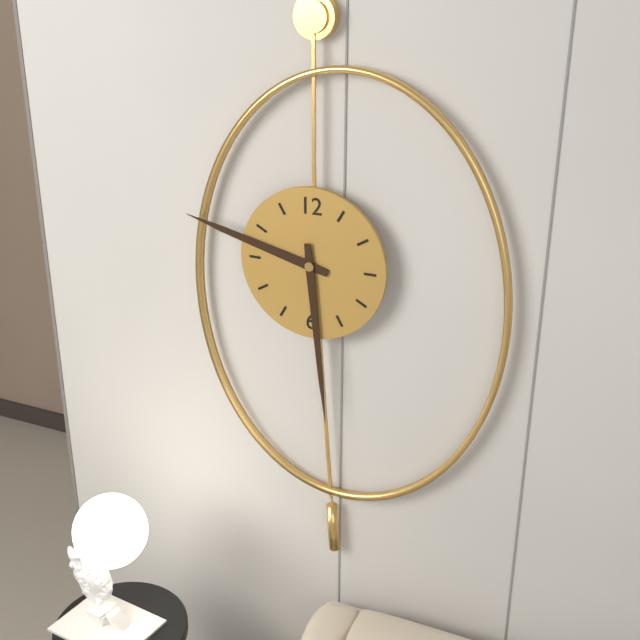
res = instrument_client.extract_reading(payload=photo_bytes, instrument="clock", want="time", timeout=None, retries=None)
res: 9:29
